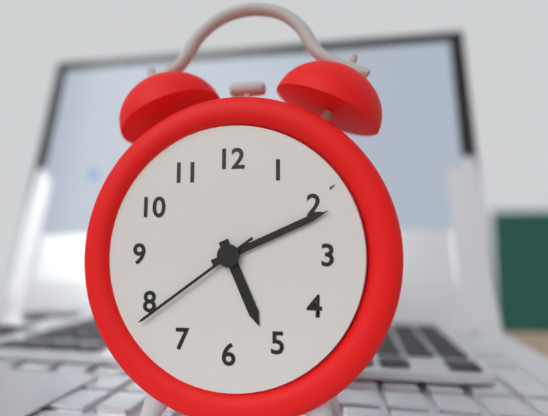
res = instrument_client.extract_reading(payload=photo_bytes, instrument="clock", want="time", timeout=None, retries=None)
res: 5:11:39
